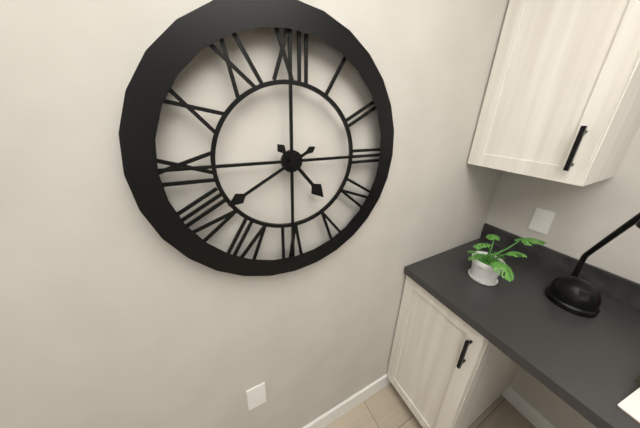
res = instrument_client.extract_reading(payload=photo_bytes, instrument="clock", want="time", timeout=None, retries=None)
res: 4:40
